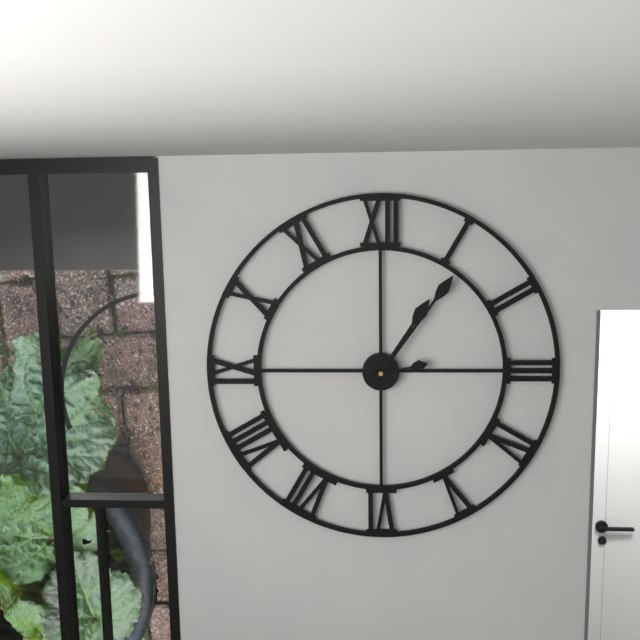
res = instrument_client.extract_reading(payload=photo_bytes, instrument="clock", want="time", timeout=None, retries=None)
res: 1:06:13
